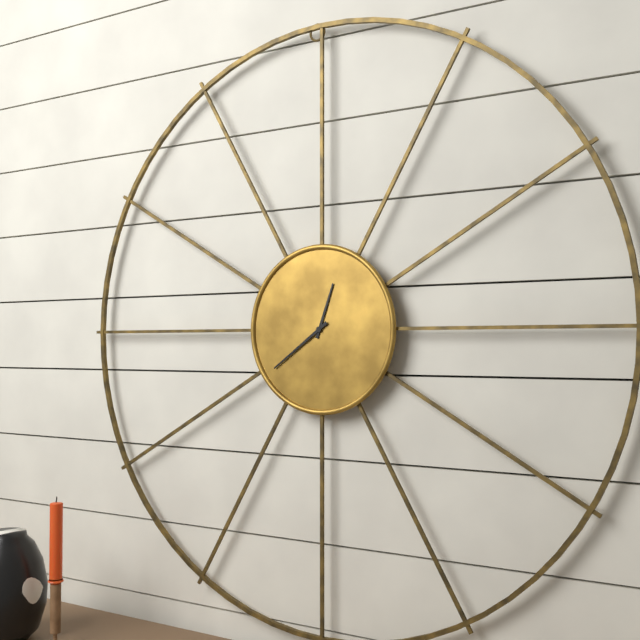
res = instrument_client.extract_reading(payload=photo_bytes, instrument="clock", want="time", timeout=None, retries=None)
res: 12:39
